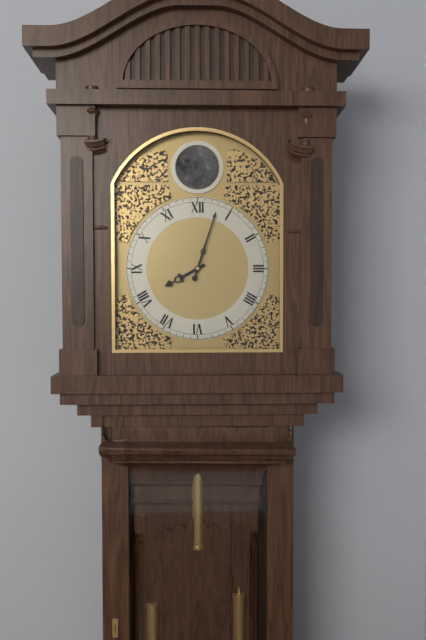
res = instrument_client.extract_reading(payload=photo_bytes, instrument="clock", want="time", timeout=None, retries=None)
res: 8:03
